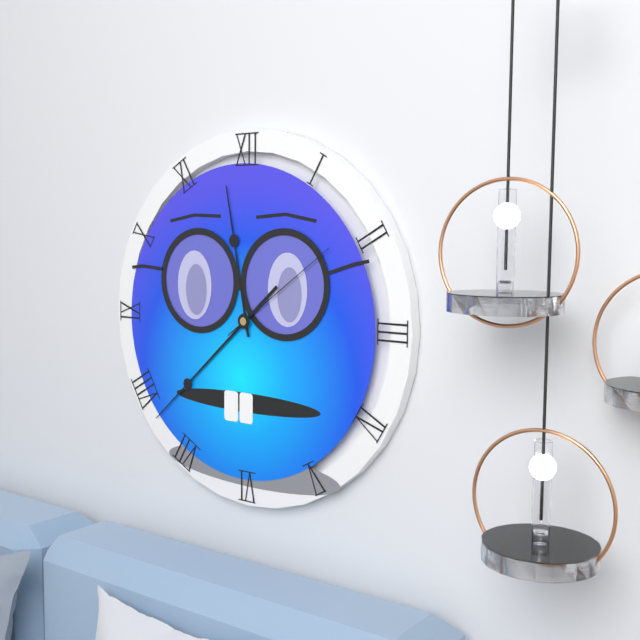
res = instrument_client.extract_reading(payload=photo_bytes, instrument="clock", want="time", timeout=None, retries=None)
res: 11:38:09
